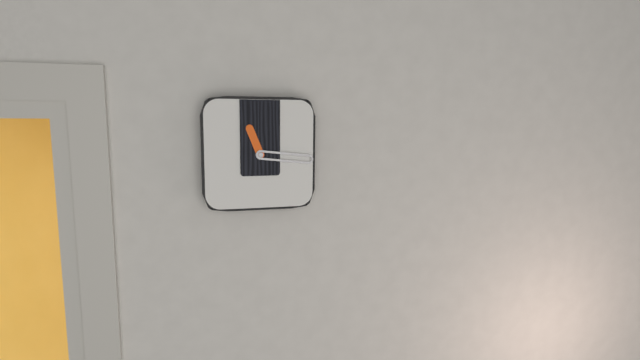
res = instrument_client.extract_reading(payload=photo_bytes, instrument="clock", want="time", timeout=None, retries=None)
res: 11:16
